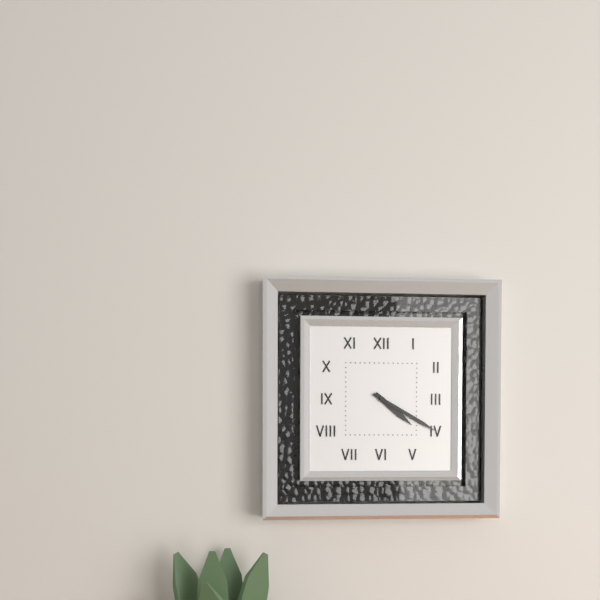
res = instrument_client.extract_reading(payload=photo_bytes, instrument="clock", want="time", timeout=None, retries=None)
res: 4:20
